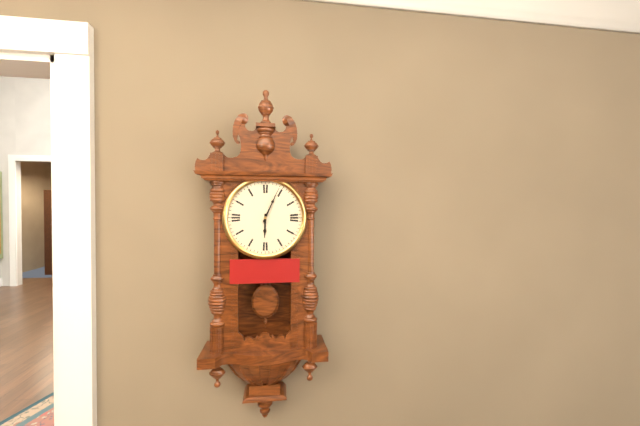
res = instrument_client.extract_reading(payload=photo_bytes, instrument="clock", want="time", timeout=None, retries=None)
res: 6:04
